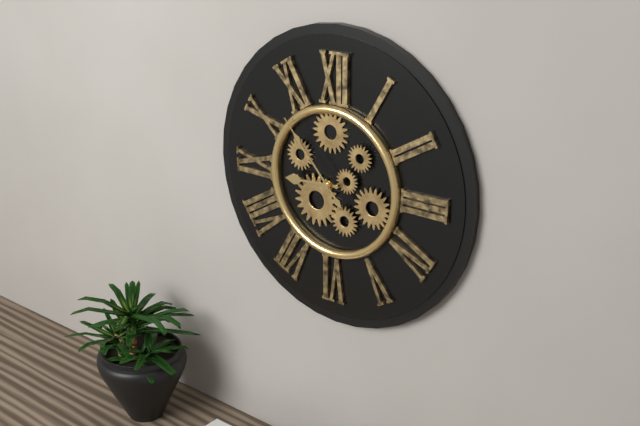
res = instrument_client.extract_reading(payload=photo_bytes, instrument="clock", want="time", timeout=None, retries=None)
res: 8:53
